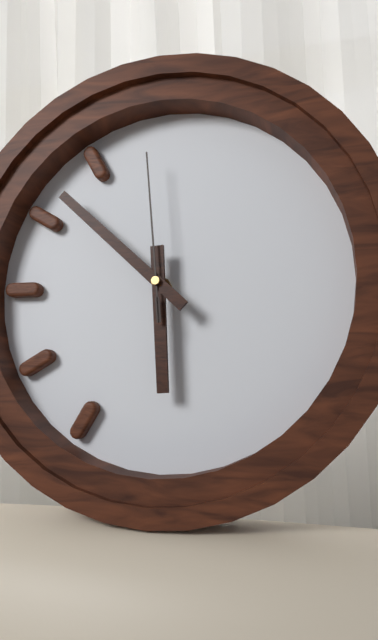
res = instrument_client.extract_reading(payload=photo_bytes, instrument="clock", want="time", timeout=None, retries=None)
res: 5:52:59
